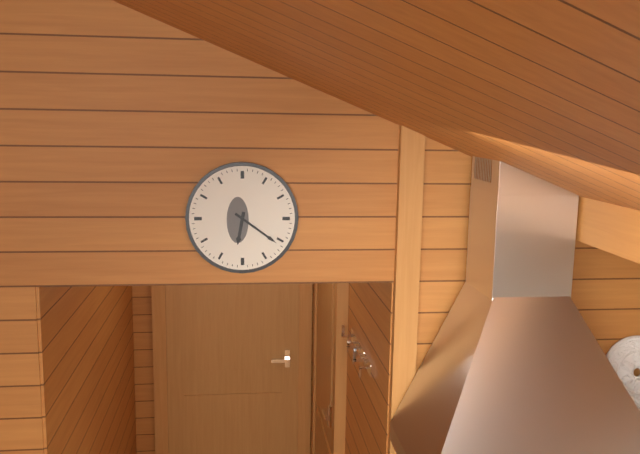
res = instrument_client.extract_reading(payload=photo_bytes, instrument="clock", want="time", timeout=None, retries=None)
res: 6:21
